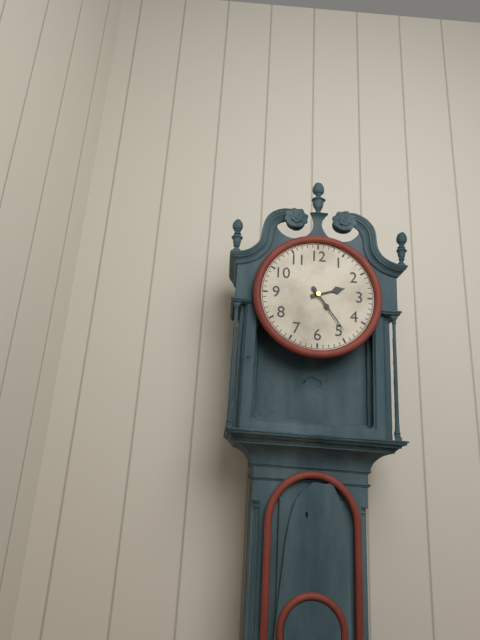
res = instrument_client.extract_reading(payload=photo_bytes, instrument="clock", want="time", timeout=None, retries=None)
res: 2:24
